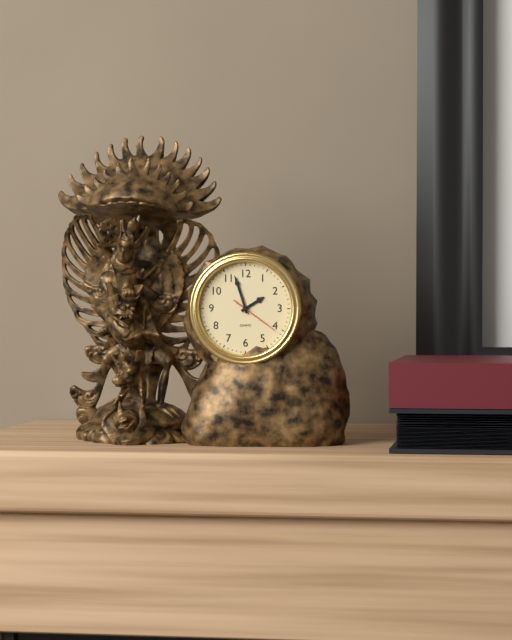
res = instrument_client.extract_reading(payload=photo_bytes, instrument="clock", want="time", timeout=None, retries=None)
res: 1:57
